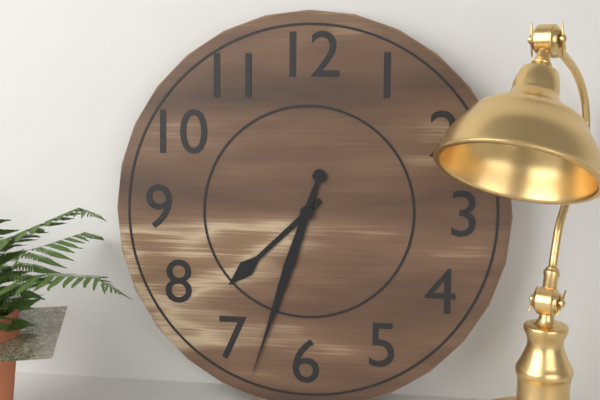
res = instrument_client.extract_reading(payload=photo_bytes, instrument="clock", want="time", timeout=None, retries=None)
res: 7:33
